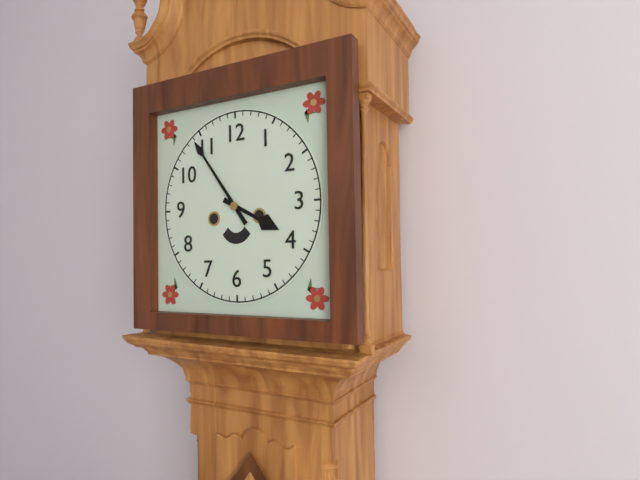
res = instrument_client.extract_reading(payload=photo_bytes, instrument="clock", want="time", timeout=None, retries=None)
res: 3:54
